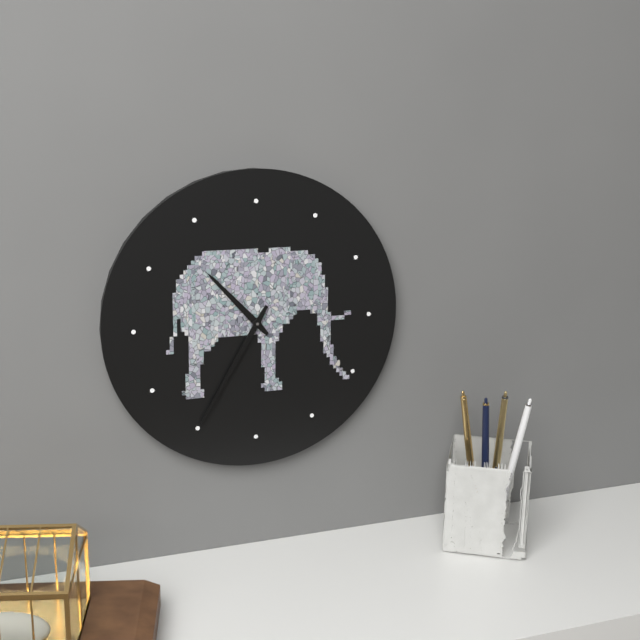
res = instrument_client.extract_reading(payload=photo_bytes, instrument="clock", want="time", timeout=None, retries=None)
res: 10:35
